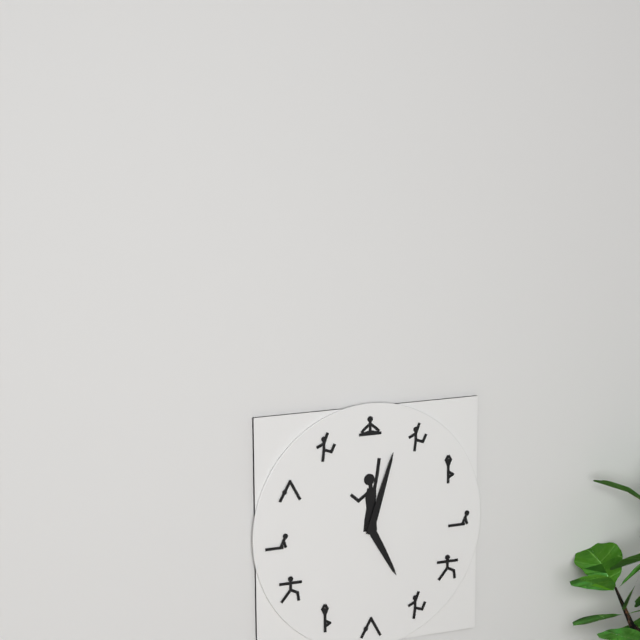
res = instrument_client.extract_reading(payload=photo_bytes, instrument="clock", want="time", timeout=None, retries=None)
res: 5:03
